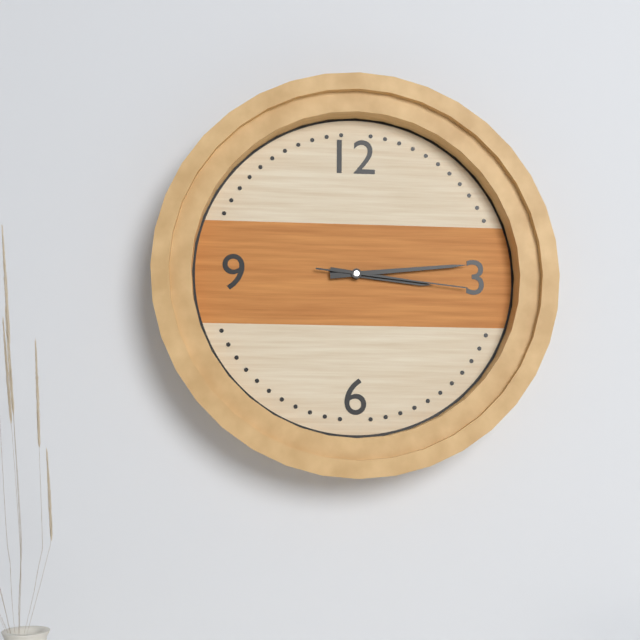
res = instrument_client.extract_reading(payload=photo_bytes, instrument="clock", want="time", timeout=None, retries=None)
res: 3:14:16
